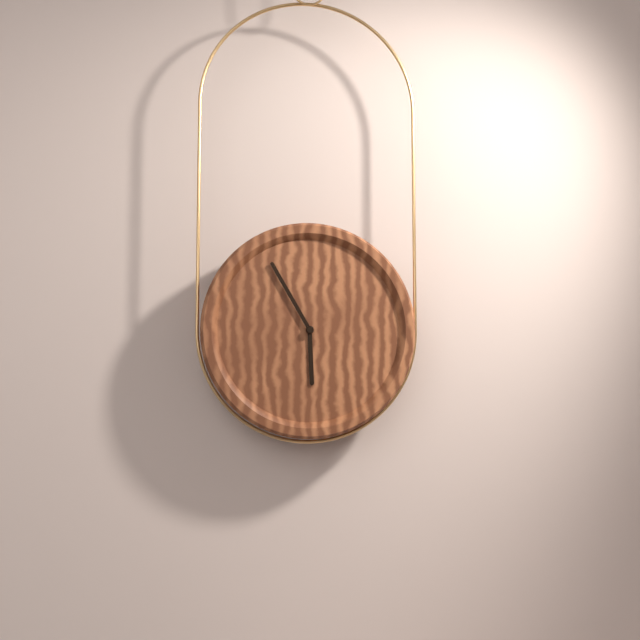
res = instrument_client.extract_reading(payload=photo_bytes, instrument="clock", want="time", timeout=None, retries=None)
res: 5:55
